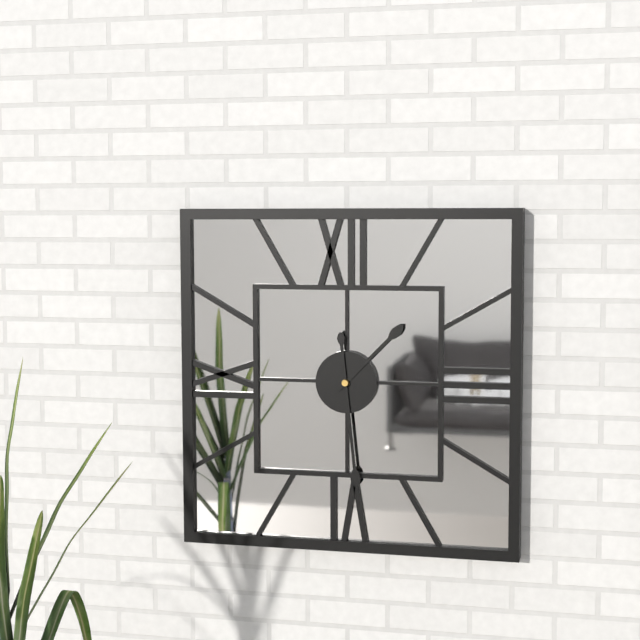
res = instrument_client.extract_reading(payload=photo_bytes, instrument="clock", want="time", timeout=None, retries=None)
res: 1:29
